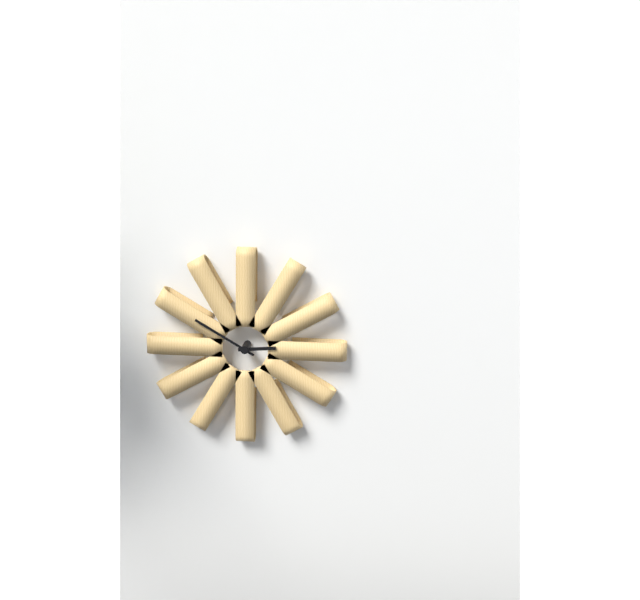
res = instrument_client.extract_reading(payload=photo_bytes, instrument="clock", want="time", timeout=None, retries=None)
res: 2:50
